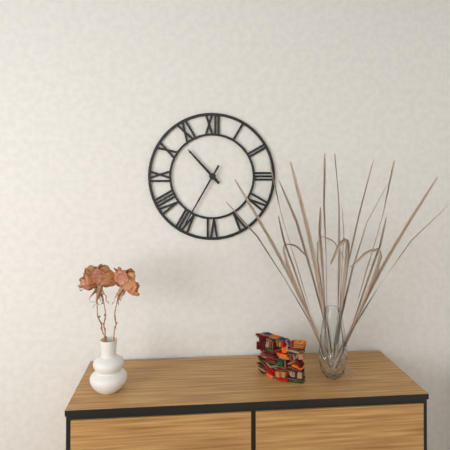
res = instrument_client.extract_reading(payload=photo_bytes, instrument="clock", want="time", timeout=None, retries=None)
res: 10:35
